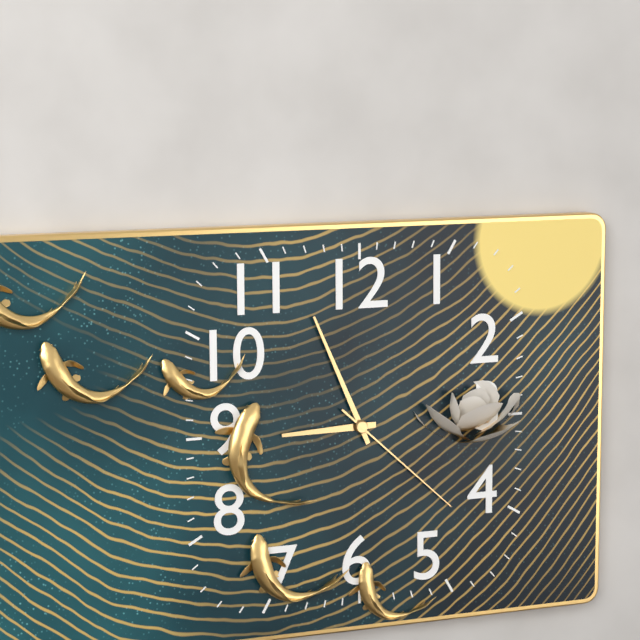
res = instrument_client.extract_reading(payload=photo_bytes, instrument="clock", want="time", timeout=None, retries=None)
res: 8:56:22
